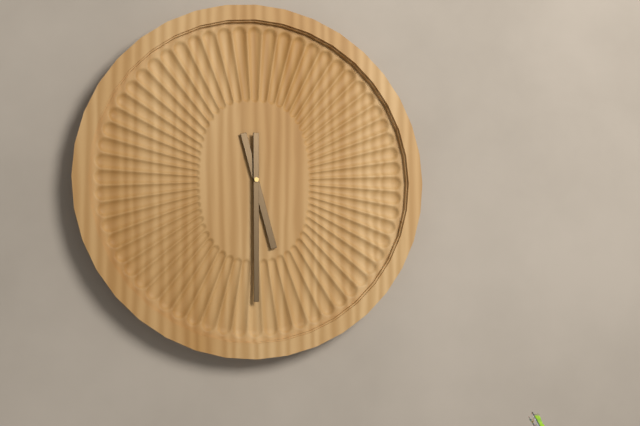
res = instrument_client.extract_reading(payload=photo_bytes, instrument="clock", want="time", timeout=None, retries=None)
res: 5:30
